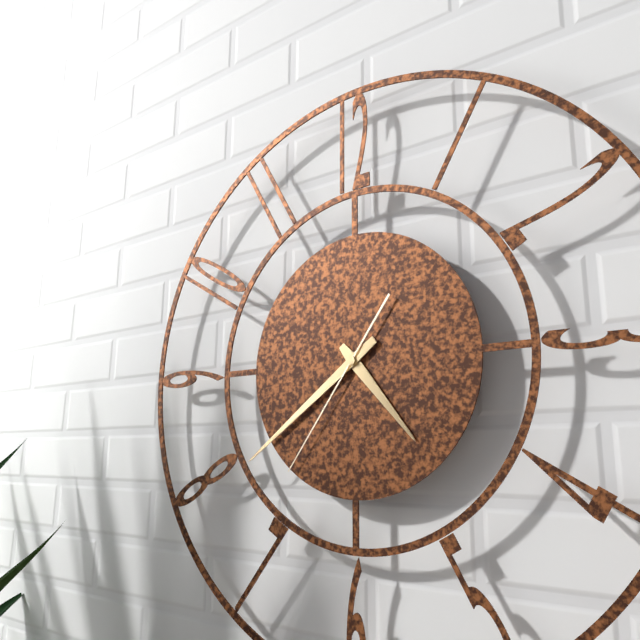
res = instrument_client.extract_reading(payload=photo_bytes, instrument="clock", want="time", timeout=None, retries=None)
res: 4:39:36
